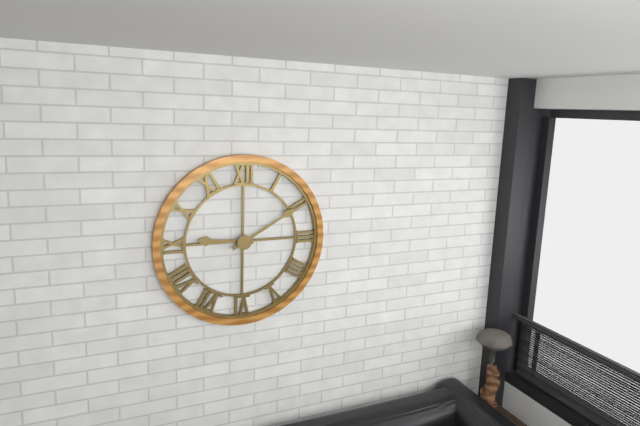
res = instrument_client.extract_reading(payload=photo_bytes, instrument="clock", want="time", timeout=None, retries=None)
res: 9:10
